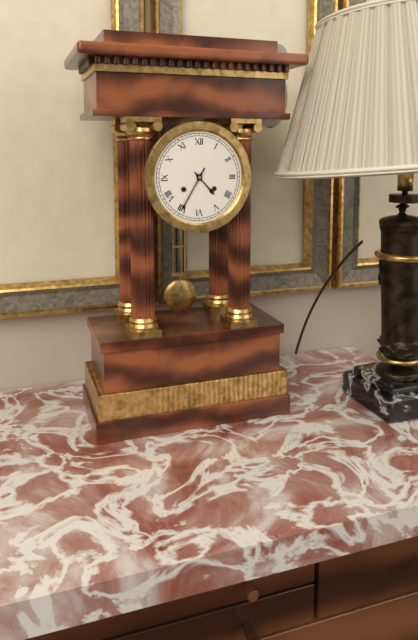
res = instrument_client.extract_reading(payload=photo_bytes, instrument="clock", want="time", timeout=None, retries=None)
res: 4:35
